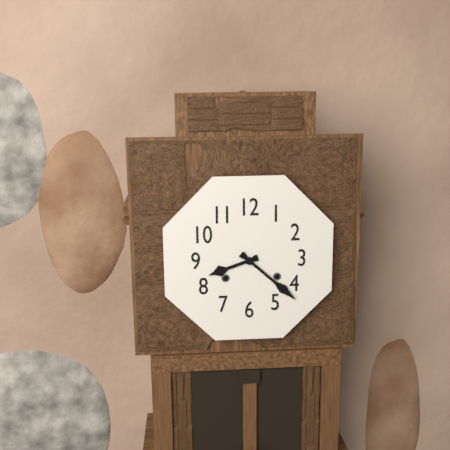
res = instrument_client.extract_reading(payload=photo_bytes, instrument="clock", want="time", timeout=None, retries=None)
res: 8:22
